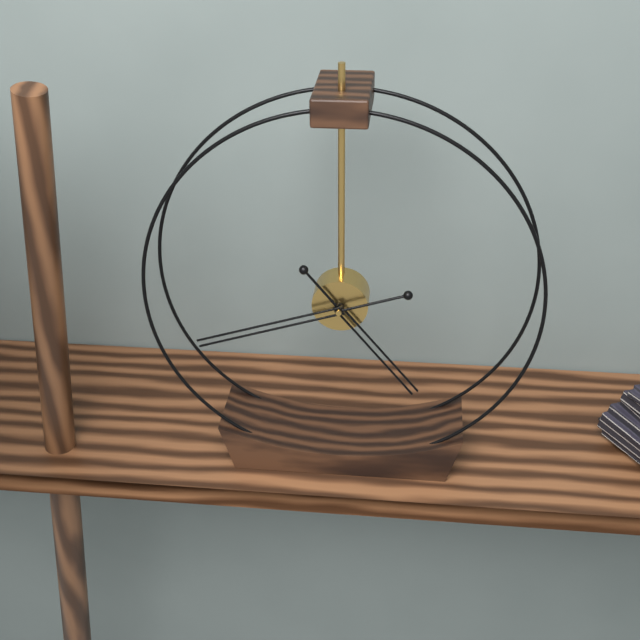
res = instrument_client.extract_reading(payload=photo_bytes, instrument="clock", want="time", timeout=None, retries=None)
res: 4:42
